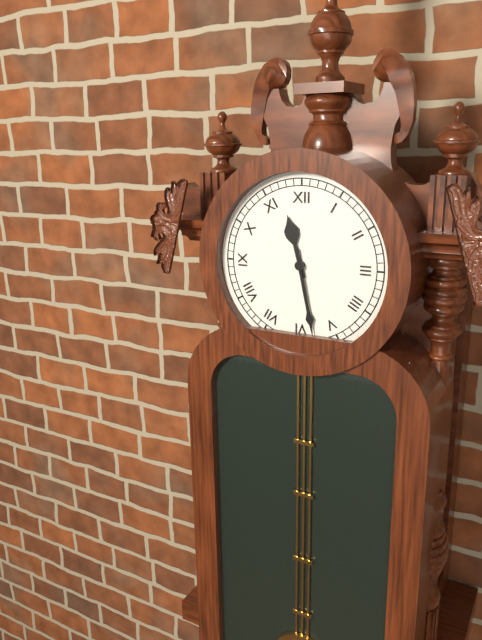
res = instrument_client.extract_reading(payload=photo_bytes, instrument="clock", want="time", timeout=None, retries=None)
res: 11:28
